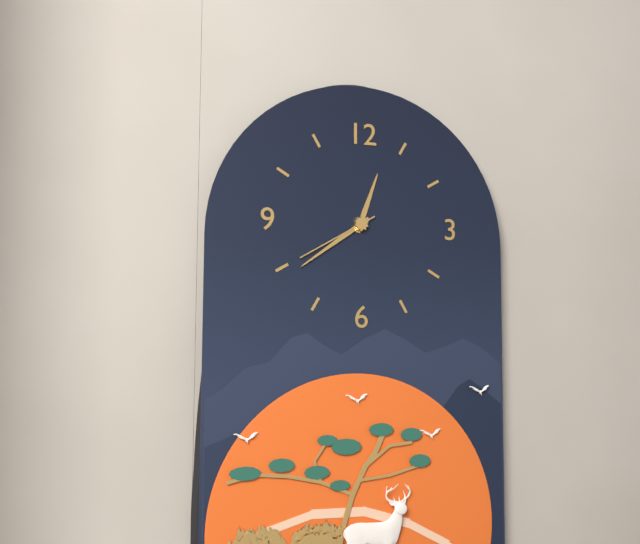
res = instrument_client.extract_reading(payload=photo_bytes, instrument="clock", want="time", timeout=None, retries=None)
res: 12:39:40
